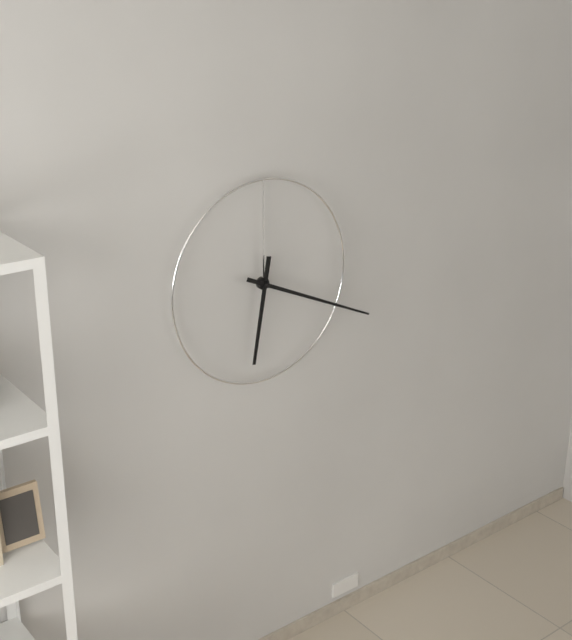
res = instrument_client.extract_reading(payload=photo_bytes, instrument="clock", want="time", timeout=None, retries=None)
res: 6:19
